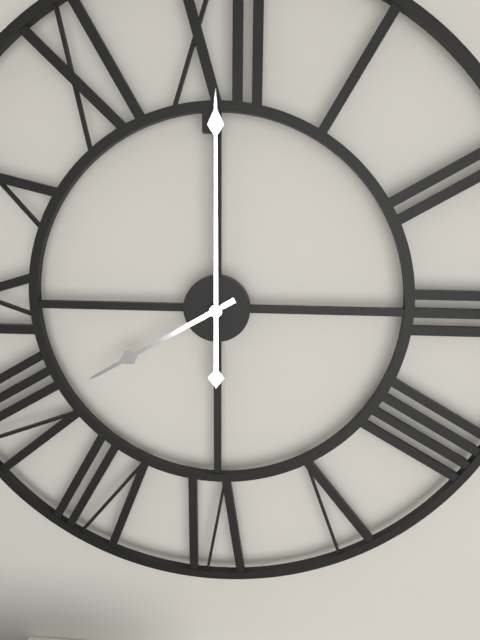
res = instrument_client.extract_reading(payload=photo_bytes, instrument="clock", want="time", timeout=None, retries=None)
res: 8:00
